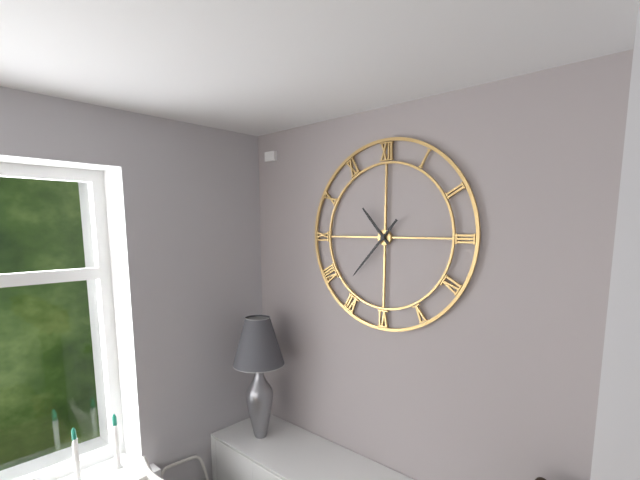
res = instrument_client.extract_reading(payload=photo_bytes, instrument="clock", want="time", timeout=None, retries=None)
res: 10:37
